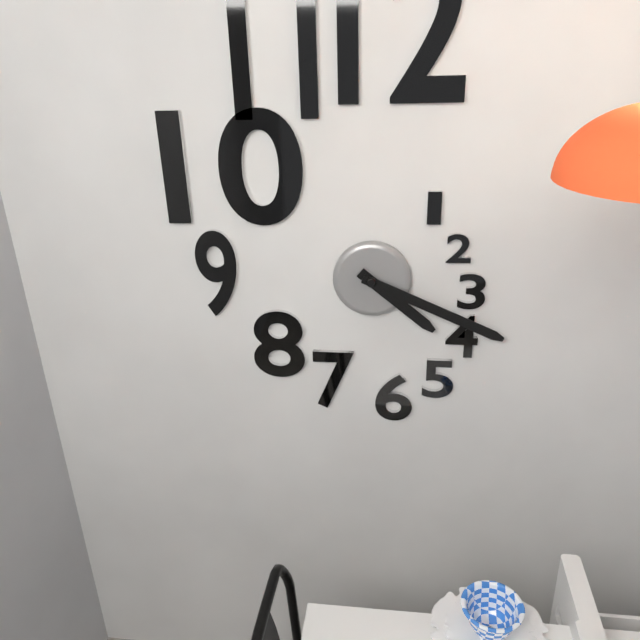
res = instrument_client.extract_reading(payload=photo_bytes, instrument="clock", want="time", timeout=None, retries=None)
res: 4:19
